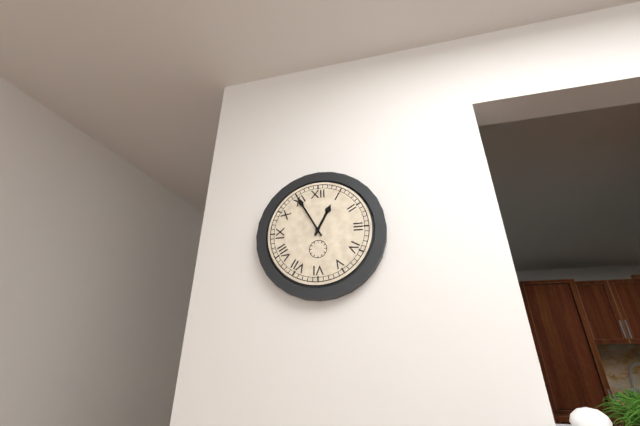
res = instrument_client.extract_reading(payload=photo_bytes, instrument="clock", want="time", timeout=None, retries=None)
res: 12:55
